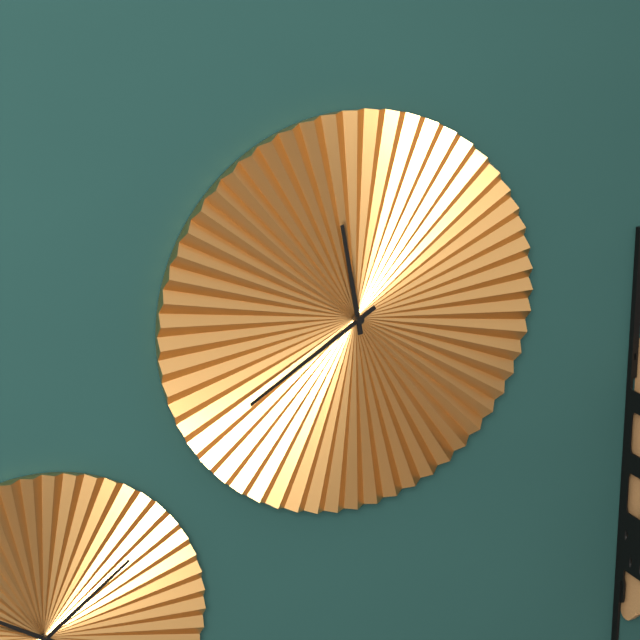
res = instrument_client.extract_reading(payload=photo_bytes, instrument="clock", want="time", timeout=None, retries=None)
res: 11:40
